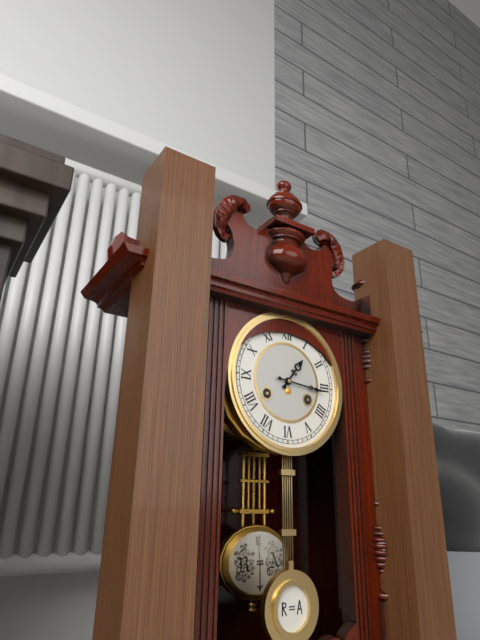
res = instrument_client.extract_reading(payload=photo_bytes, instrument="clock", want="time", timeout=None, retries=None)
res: 1:16
